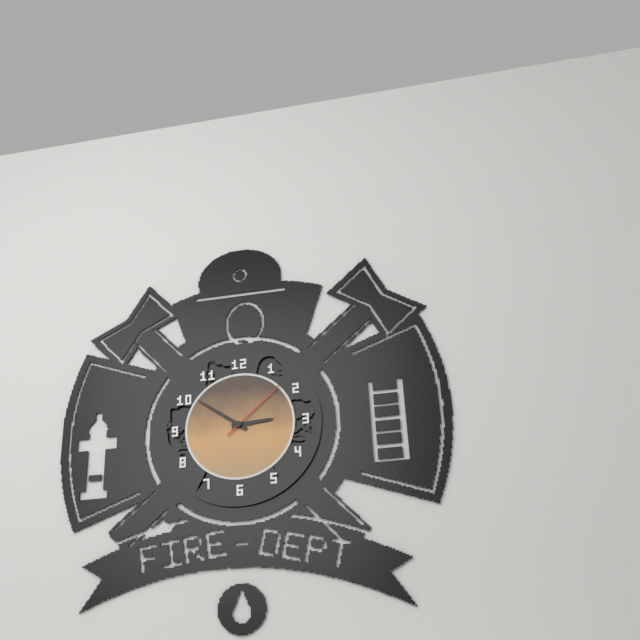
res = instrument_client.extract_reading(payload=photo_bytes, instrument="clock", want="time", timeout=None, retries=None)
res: 2:51:08
